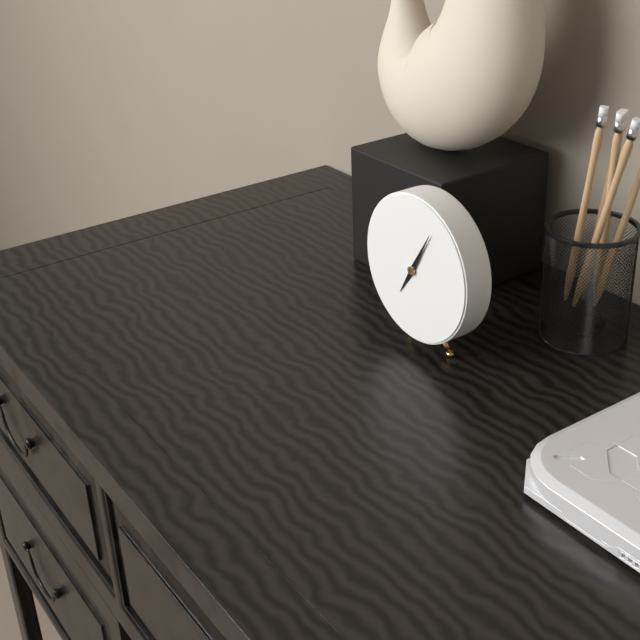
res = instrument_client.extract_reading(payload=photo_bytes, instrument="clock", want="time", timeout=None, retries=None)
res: 7:05
